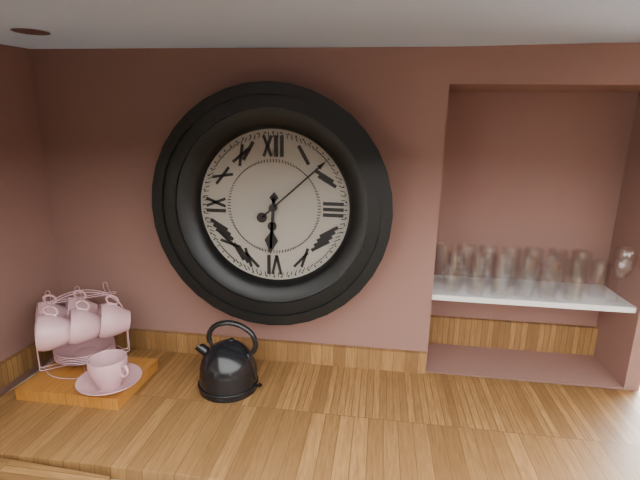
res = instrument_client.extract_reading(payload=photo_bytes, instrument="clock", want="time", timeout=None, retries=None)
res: 6:08
